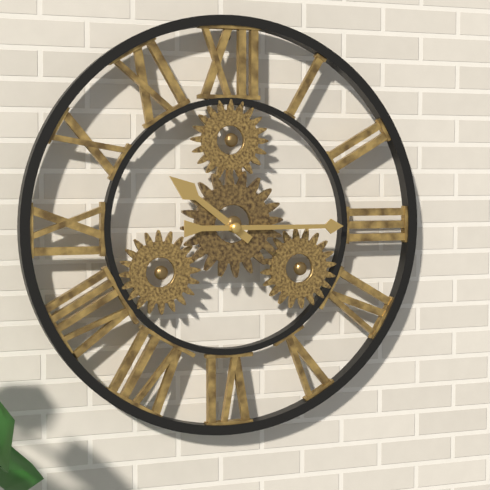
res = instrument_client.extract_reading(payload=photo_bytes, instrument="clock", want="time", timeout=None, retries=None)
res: 10:15
